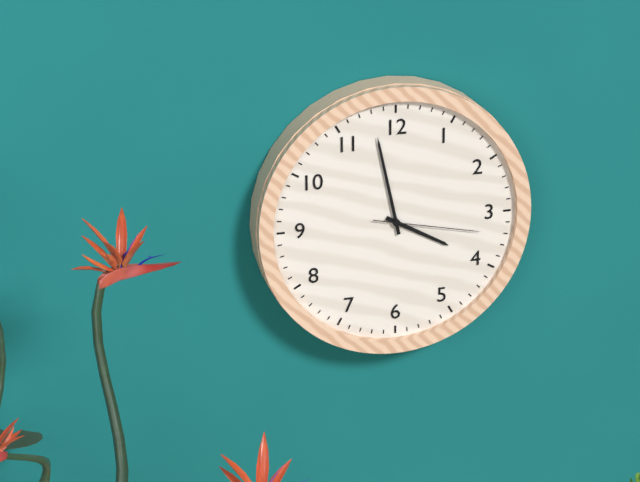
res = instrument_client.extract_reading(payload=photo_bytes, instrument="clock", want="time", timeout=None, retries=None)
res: 3:58:17
